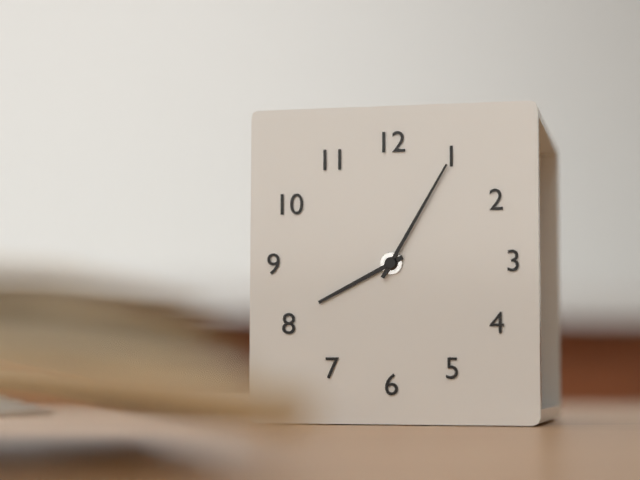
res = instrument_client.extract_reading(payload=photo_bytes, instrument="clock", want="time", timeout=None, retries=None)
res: 8:05
